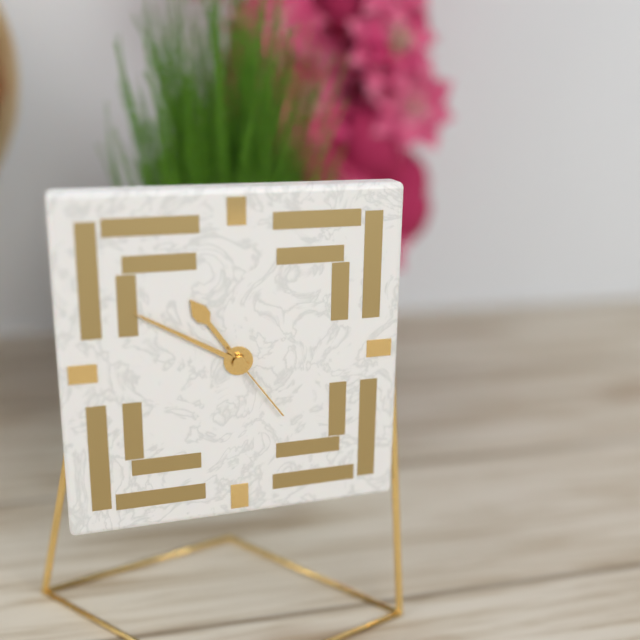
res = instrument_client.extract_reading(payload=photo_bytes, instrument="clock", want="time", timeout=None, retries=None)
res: 10:50:24
